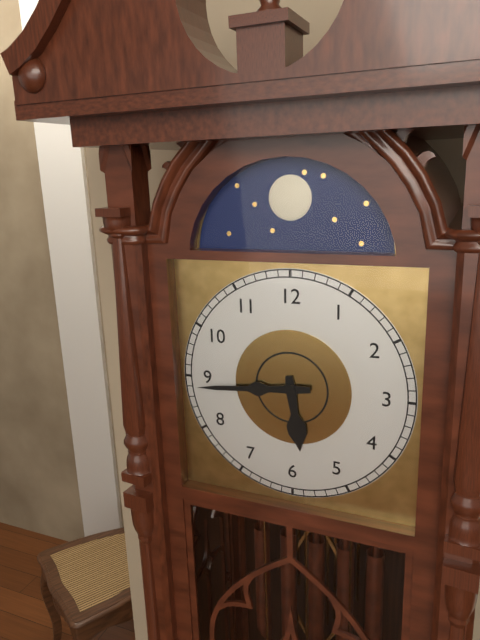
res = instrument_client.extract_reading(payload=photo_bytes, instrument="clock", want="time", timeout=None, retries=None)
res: 5:44
